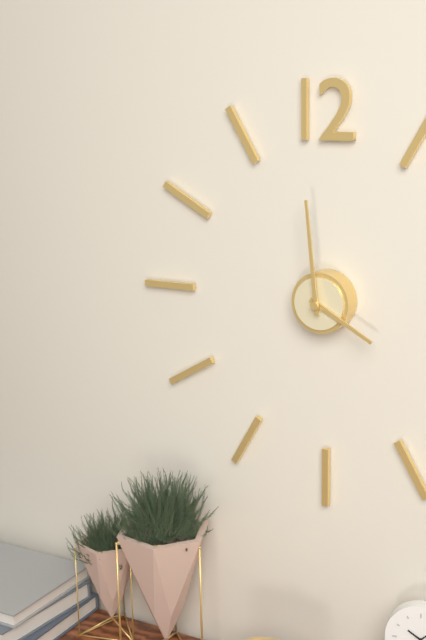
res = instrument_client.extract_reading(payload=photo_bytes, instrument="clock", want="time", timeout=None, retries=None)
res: 3:59
